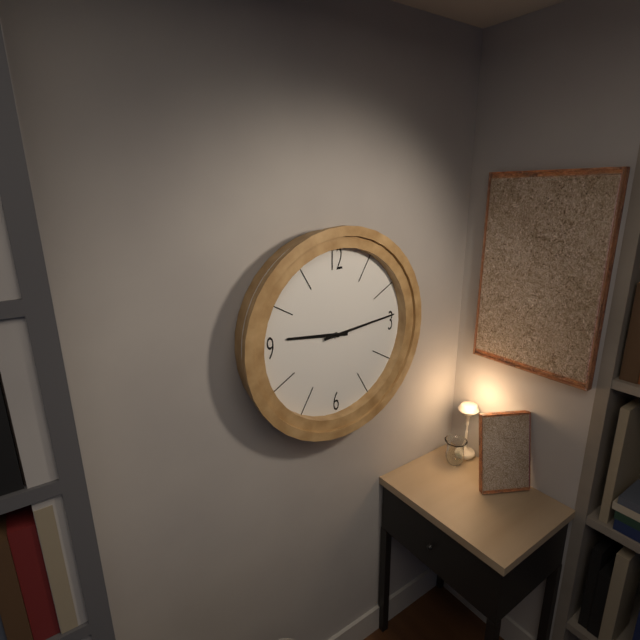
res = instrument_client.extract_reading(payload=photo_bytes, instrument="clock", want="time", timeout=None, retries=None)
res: 9:14
